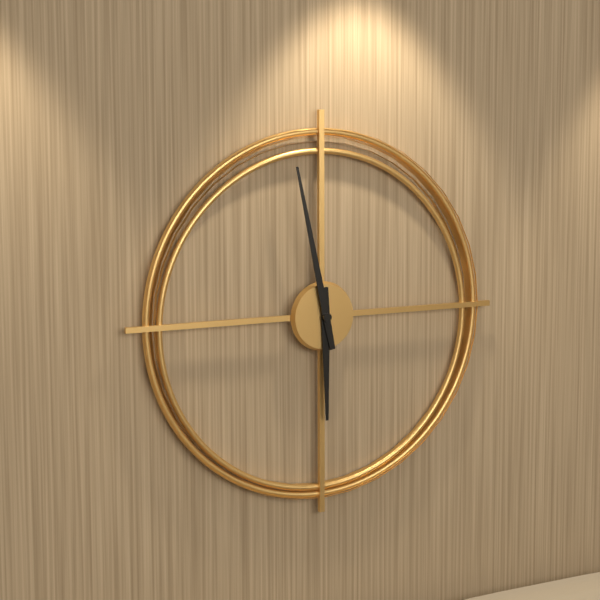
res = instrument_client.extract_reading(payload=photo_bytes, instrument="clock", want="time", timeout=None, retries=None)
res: 5:58
